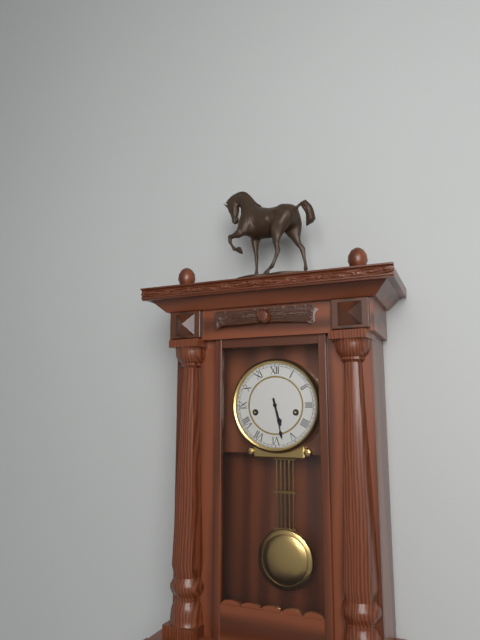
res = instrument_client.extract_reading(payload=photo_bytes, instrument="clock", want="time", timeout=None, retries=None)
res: 5:28
